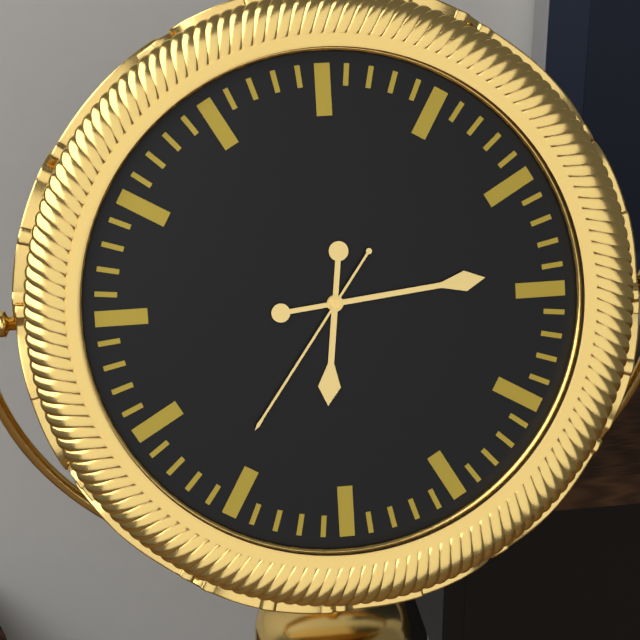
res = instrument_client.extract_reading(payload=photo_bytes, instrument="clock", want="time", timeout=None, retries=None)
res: 6:14:36
